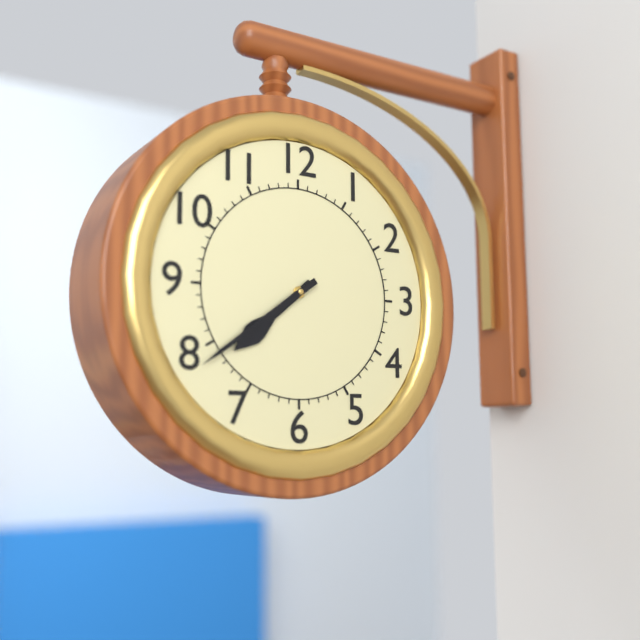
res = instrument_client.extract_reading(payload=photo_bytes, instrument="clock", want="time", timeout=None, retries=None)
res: 7:39
